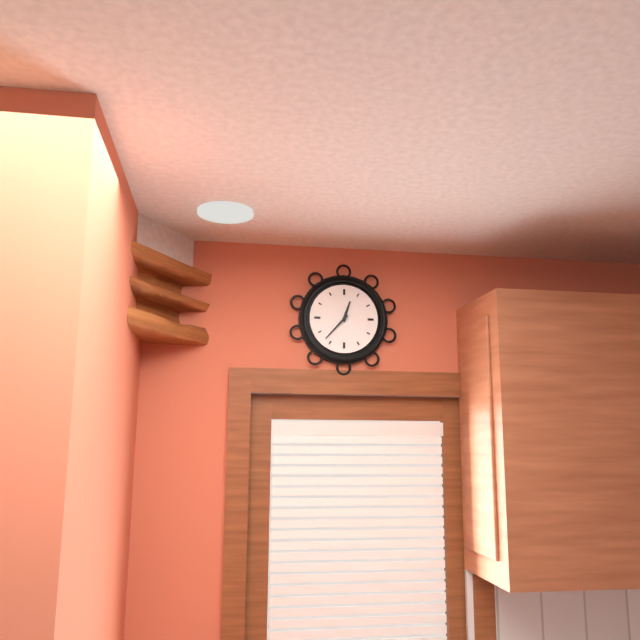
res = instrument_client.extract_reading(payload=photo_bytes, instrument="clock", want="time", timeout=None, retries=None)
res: 12:37
